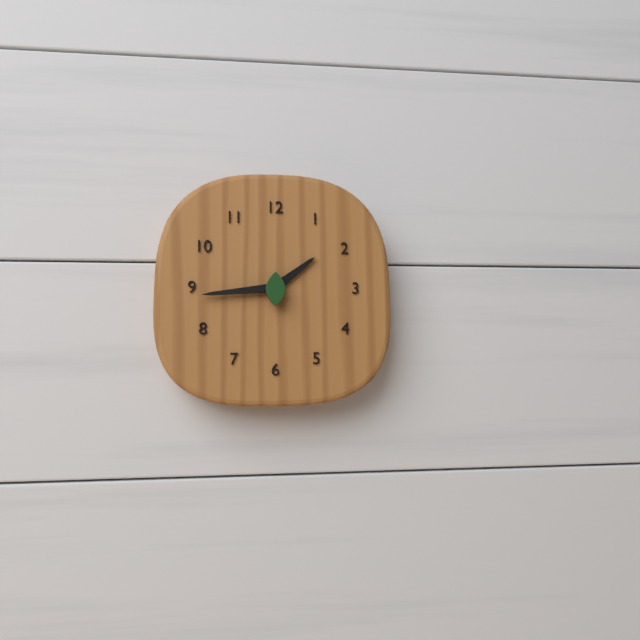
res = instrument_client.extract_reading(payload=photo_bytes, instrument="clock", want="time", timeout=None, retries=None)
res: 1:44
